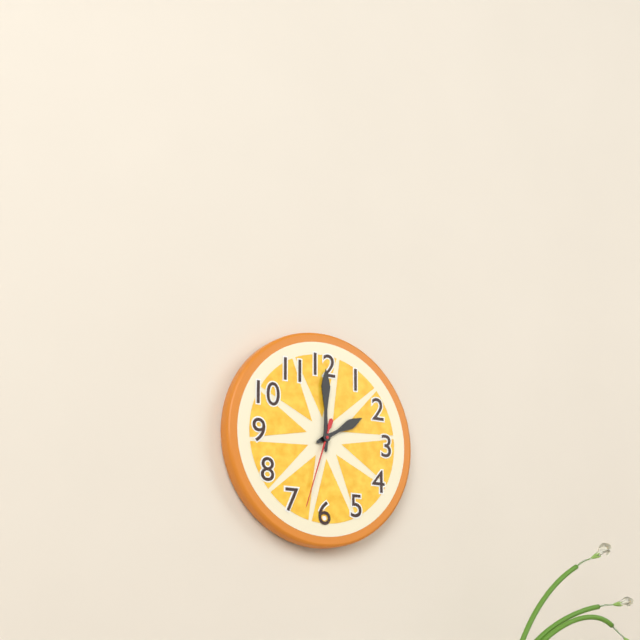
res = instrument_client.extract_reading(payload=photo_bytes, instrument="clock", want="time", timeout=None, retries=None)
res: 2:00:33
